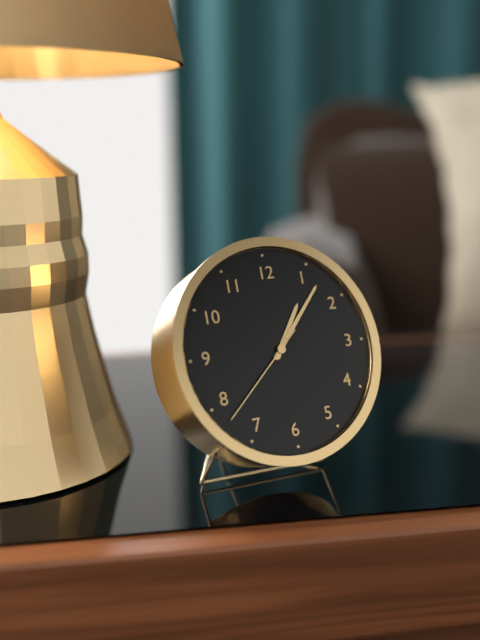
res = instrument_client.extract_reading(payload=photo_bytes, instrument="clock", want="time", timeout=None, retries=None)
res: 1:07:38
